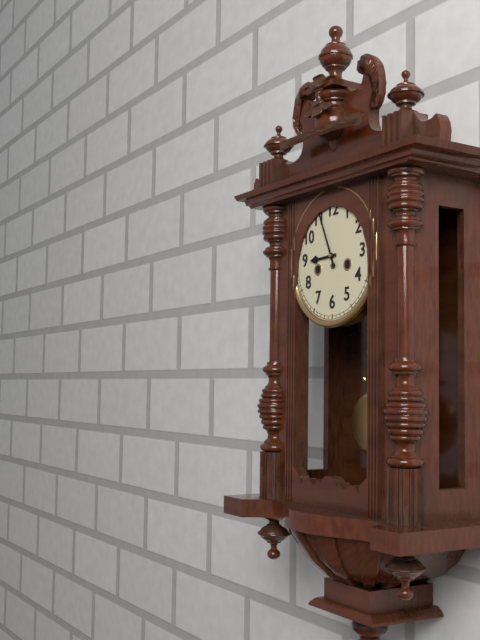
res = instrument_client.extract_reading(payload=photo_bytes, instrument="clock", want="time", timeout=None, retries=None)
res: 8:56
